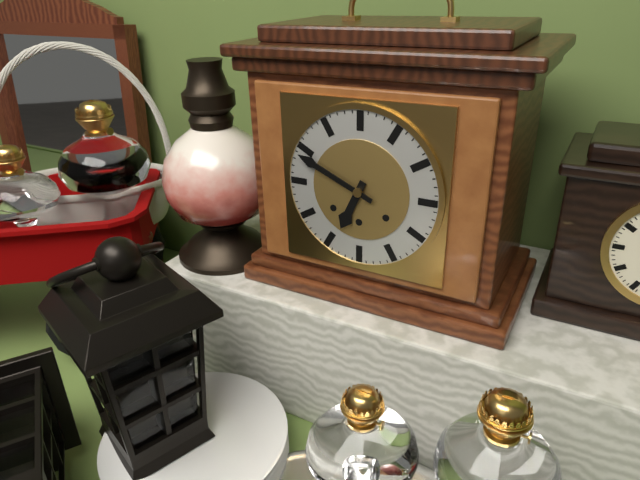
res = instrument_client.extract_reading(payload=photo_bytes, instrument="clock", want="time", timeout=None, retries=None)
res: 6:49
